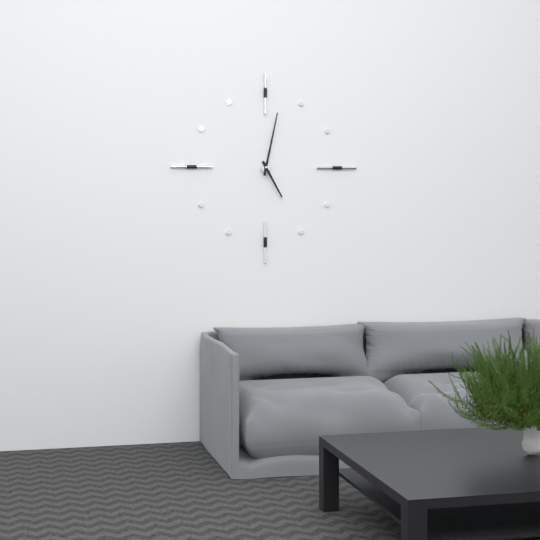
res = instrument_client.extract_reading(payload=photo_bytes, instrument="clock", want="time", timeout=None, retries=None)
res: 5:02
